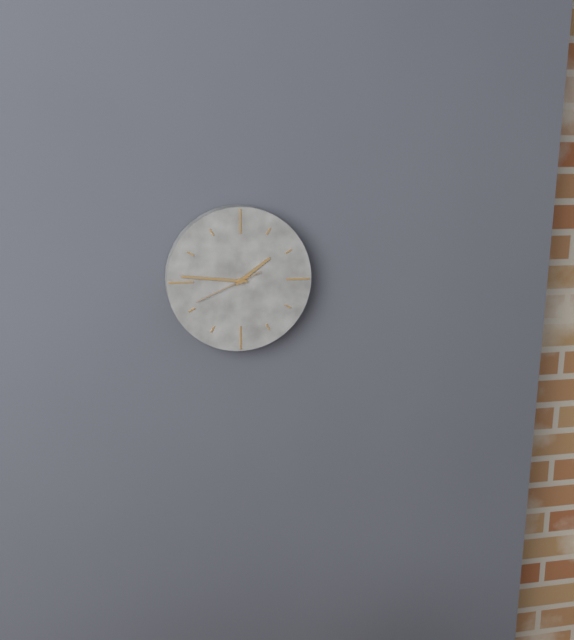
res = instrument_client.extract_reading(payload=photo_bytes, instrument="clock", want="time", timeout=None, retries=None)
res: 1:46:41
